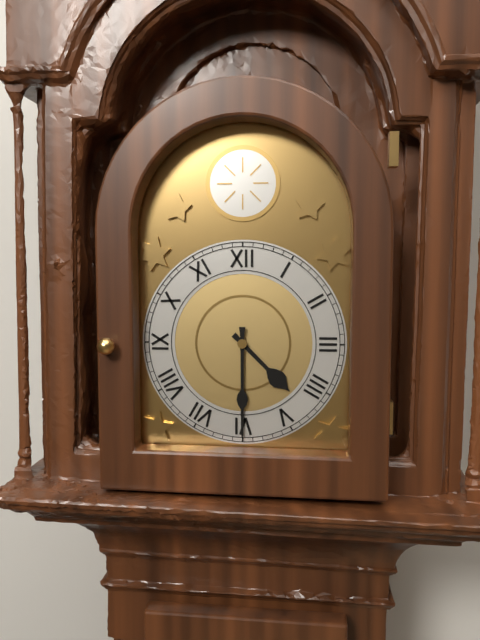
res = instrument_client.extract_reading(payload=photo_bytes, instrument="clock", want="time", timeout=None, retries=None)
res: 4:30
